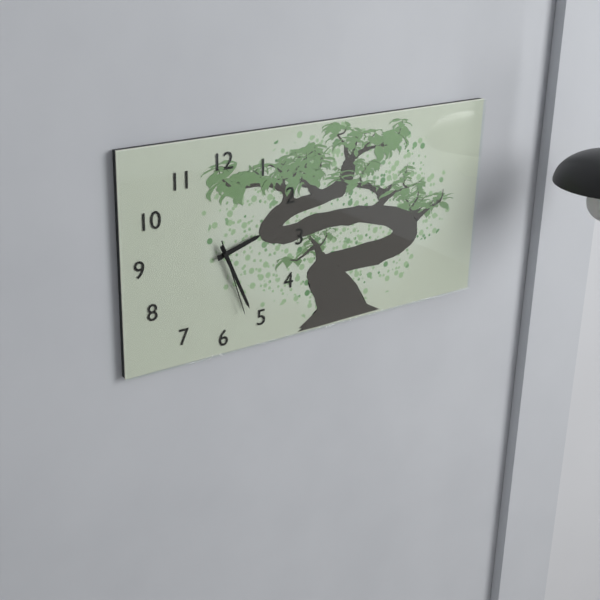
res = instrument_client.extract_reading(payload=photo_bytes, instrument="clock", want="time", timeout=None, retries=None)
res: 2:26:27
